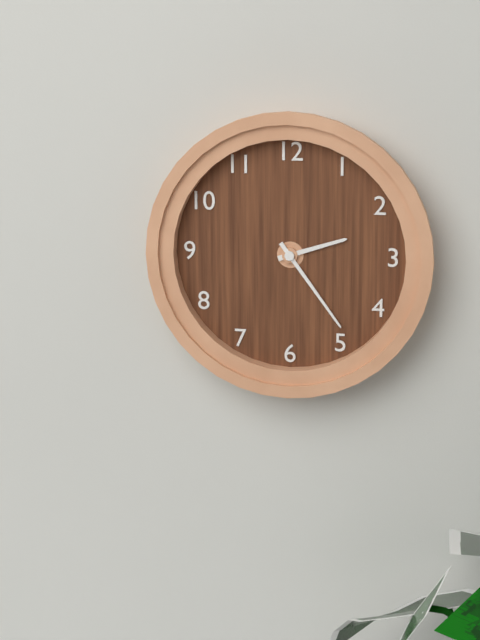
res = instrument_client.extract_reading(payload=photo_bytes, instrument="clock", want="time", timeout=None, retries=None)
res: 2:24
